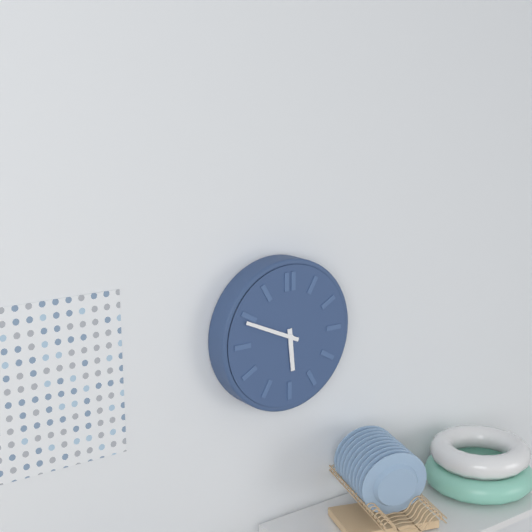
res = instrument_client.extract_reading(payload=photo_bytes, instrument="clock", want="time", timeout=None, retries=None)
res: 5:49
